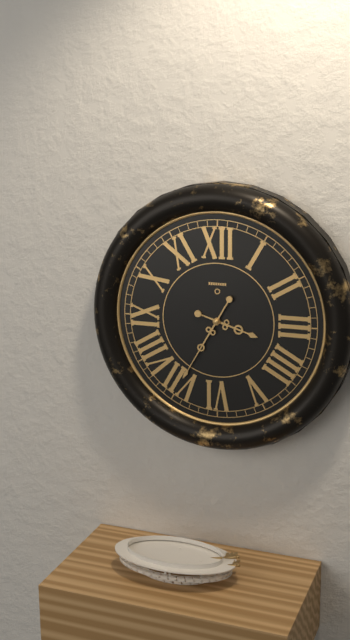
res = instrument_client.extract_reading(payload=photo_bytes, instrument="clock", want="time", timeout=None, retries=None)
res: 3:35
